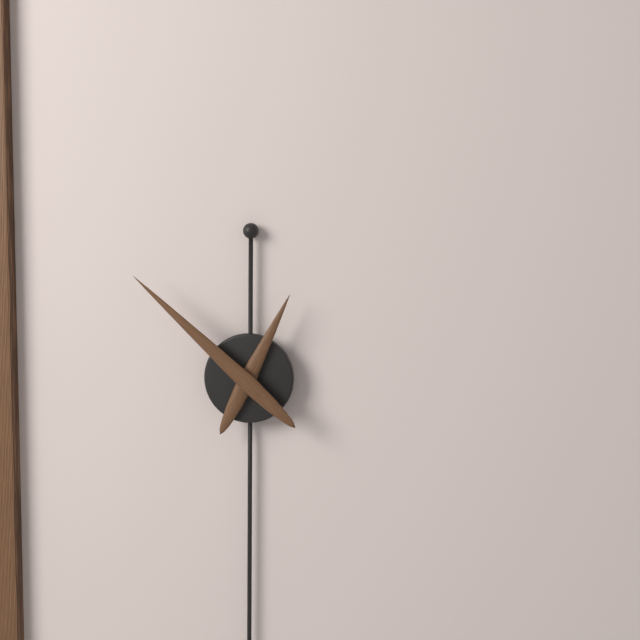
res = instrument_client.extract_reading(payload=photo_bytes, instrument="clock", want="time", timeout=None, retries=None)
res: 12:52
